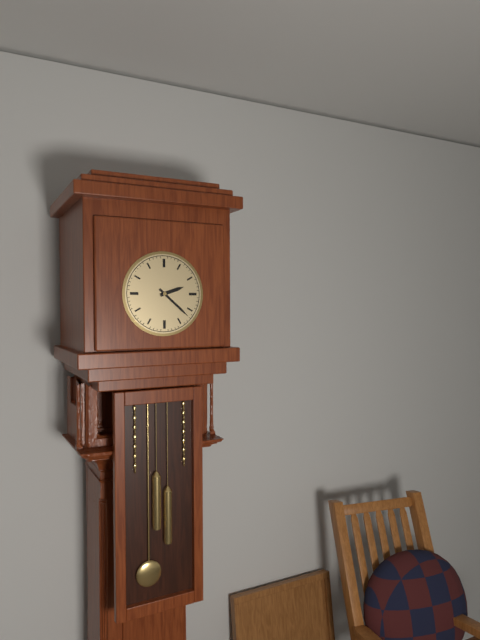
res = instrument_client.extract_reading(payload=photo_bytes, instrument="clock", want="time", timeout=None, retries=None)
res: 2:22
